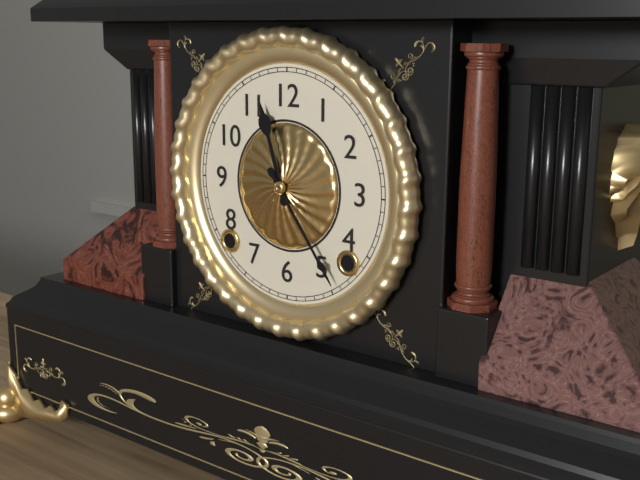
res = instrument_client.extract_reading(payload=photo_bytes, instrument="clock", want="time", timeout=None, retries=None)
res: 11:24
